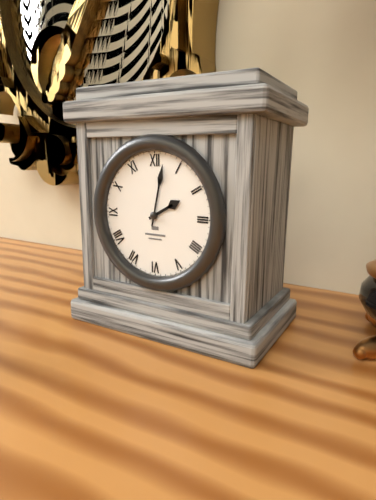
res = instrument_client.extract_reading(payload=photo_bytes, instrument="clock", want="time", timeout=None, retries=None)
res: 2:02
